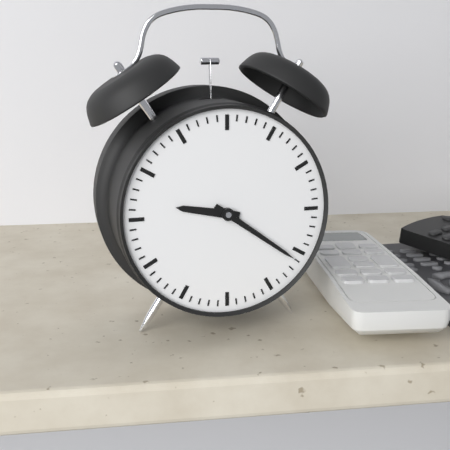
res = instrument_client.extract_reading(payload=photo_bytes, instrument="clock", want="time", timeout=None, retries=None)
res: 9:21
